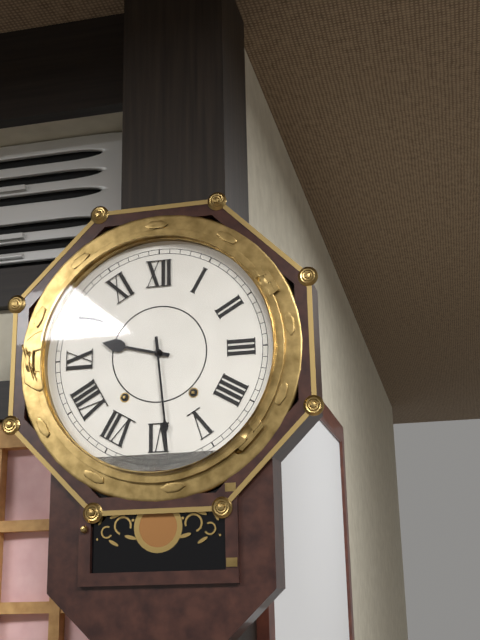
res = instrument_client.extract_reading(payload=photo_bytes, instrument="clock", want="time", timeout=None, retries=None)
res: 9:29
